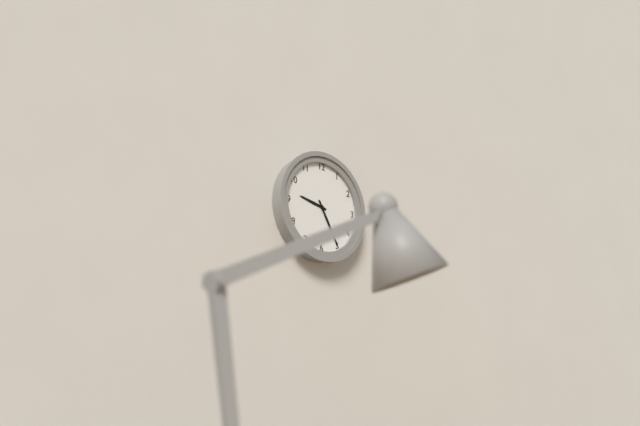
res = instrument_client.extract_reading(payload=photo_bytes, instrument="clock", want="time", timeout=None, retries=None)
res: 9:25
